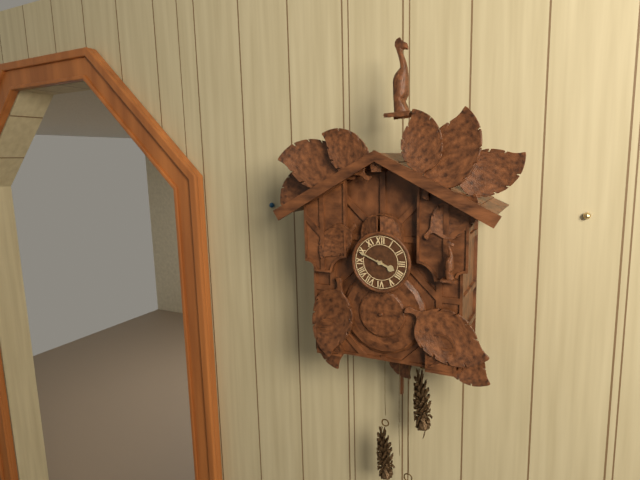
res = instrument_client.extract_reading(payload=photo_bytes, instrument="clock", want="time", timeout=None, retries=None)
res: 3:49
